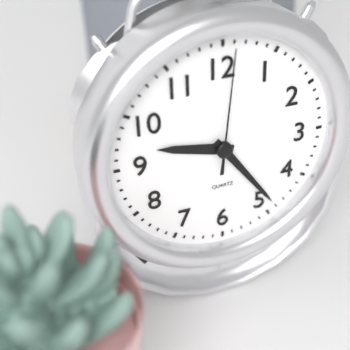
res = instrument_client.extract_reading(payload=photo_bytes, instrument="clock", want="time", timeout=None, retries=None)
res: 9:24:01
